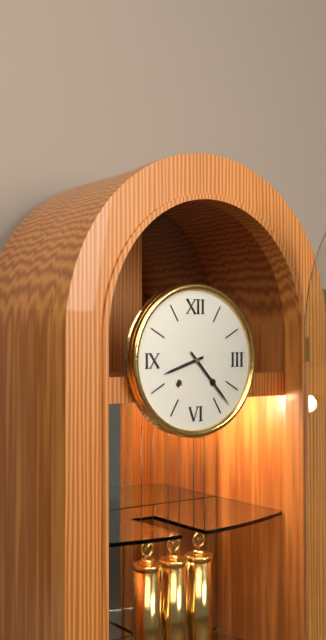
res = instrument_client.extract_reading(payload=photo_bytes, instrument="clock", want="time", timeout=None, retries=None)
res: 8:23
